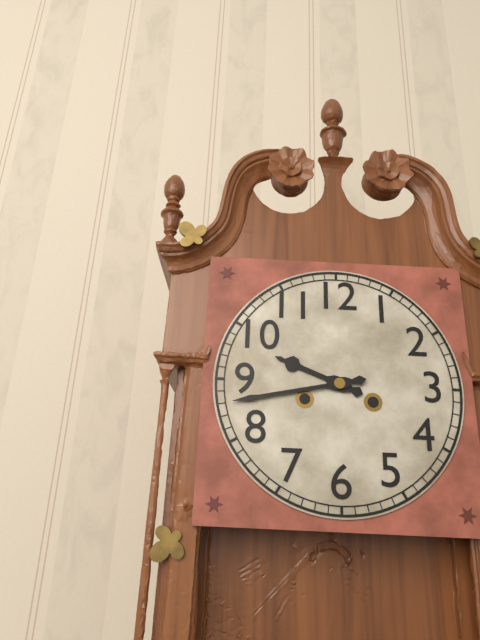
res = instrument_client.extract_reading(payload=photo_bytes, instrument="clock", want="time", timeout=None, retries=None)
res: 9:43
